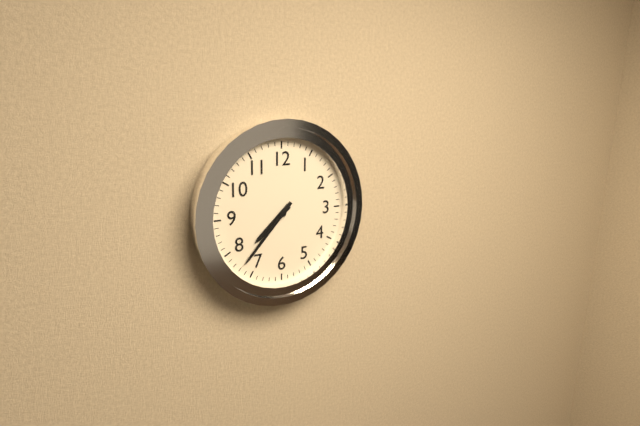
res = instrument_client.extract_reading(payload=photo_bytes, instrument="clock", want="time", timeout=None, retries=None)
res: 7:37
